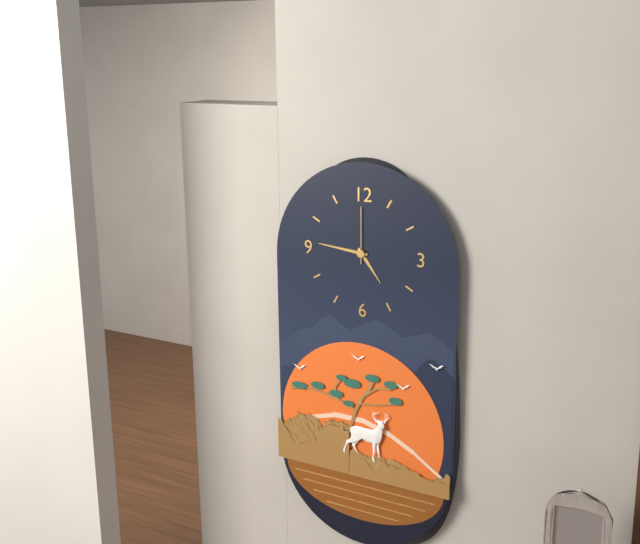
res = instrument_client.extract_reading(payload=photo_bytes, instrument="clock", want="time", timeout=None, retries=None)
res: 4:46:00
